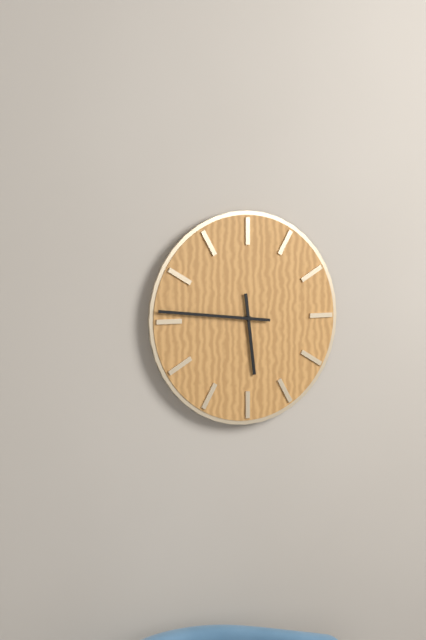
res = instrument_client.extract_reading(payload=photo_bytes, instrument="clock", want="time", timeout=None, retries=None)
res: 5:46
